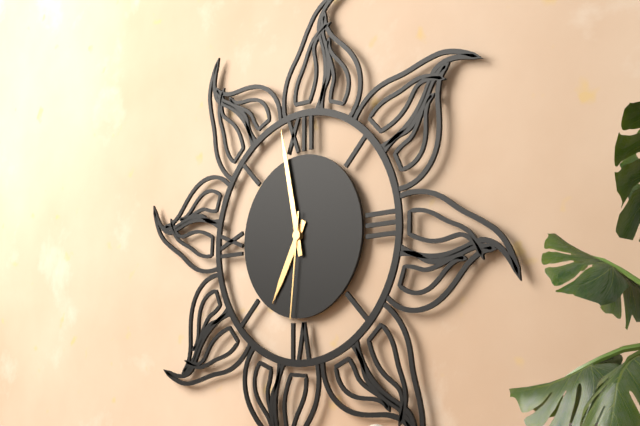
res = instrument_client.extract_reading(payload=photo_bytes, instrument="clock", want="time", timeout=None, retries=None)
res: 6:58:31
